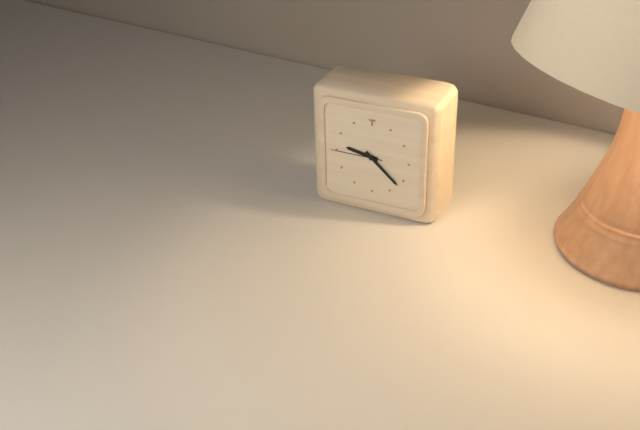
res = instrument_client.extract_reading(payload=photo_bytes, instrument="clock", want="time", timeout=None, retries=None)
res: 9:22:45
